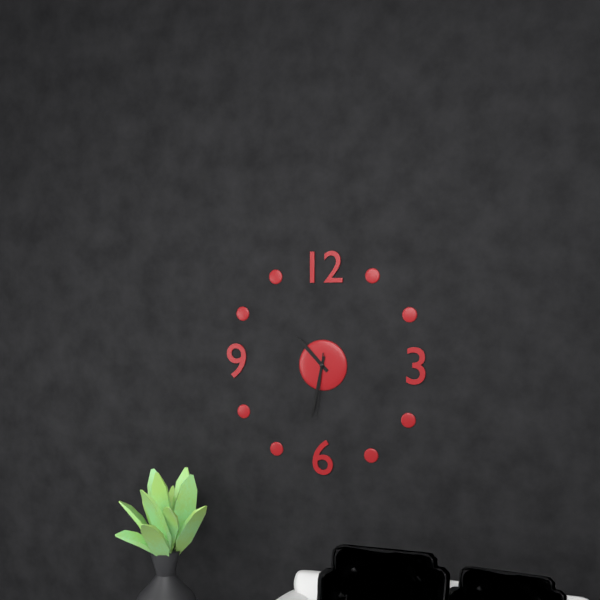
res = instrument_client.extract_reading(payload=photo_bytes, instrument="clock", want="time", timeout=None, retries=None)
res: 10:32:31
